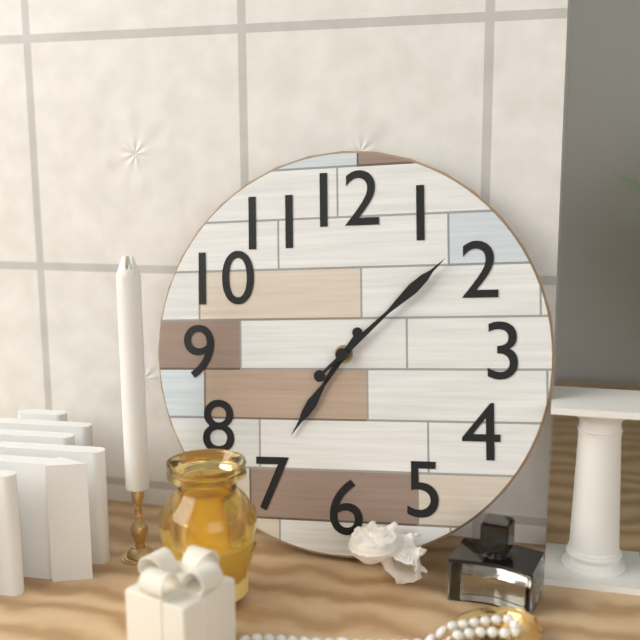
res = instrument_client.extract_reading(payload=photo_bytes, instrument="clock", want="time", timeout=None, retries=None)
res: 7:08
